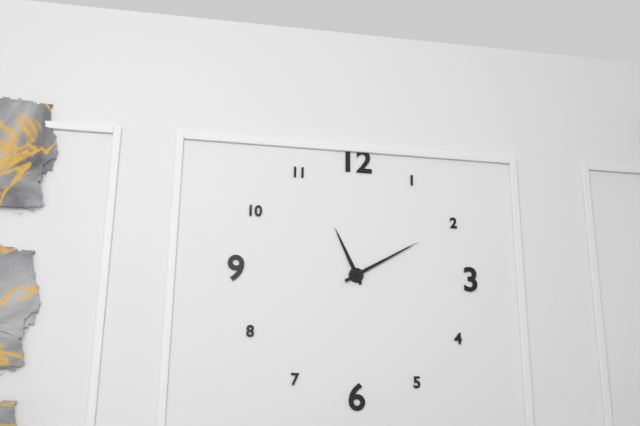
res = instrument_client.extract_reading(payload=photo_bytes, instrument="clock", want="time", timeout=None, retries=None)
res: 11:10
